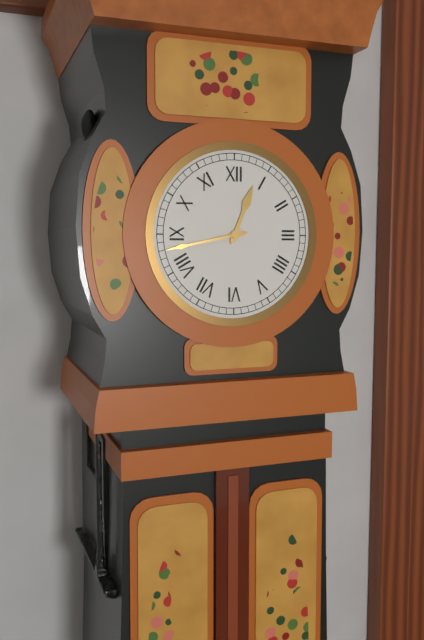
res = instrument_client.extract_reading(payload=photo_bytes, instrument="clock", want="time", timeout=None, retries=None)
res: 12:43
